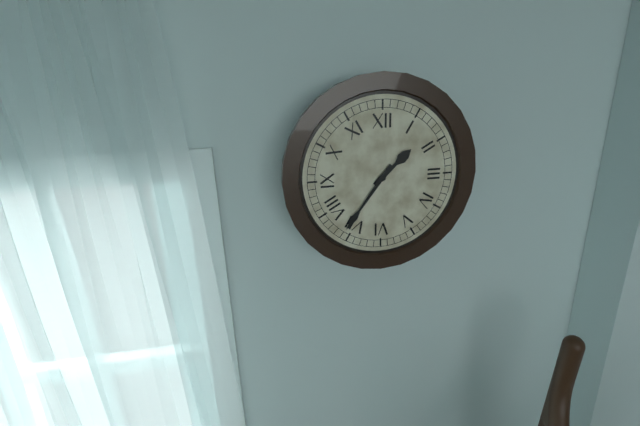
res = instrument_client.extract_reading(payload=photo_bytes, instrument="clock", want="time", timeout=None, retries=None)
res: 1:36
